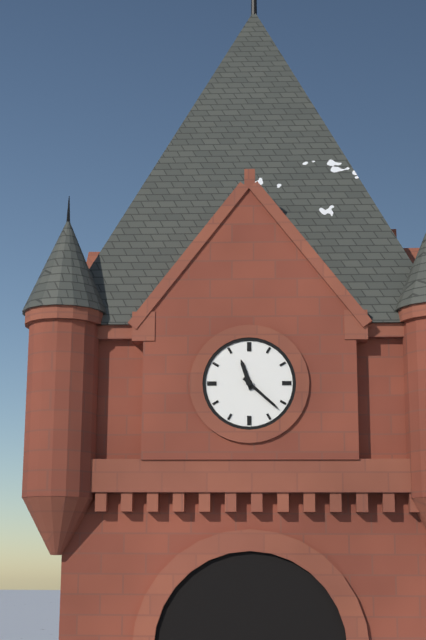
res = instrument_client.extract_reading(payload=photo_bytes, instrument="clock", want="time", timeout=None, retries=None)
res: 11:22
